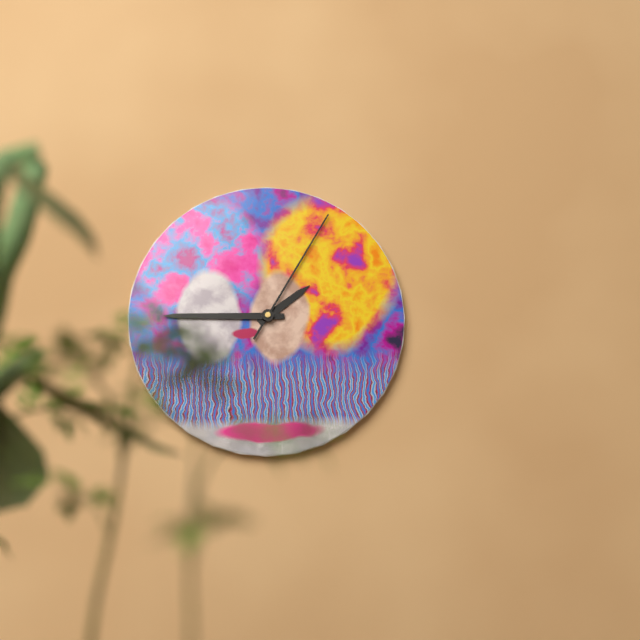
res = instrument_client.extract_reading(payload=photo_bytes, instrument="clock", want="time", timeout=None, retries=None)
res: 1:45:05
